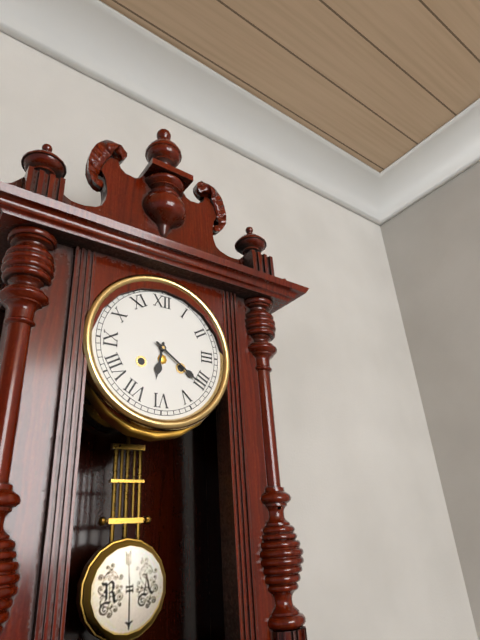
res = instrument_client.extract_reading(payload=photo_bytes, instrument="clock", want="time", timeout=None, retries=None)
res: 6:21
